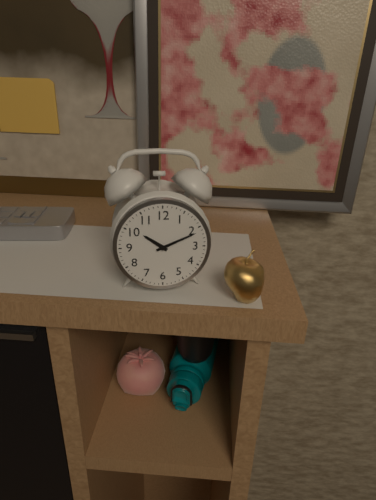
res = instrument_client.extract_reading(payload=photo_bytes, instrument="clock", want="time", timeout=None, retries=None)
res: 10:11
